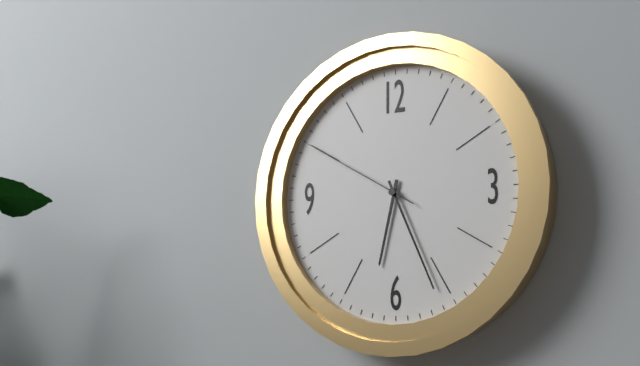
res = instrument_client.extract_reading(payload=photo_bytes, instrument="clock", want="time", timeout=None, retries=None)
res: 6:26:50
